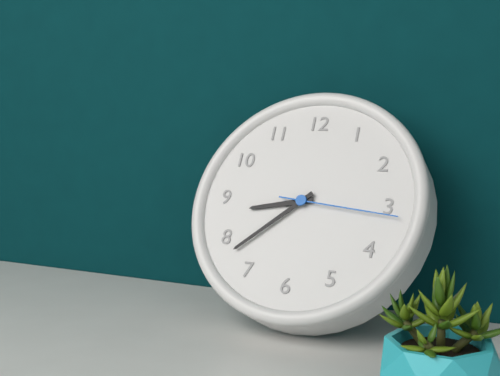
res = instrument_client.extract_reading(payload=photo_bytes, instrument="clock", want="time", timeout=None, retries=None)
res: 8:38:16
